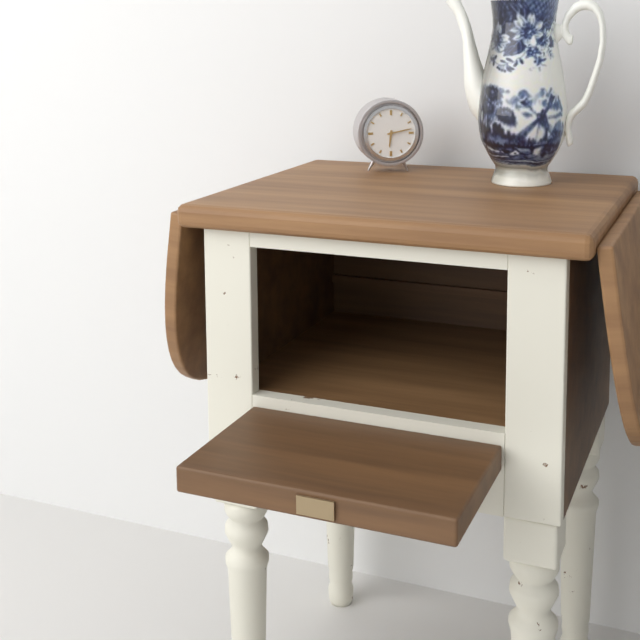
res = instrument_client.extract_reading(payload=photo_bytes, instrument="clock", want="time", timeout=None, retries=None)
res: 6:13
